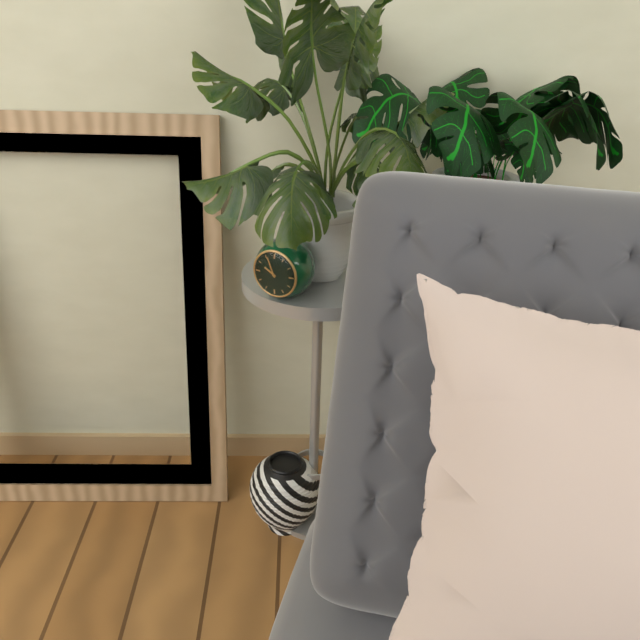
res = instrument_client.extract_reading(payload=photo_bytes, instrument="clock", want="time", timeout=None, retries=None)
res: 9:56
